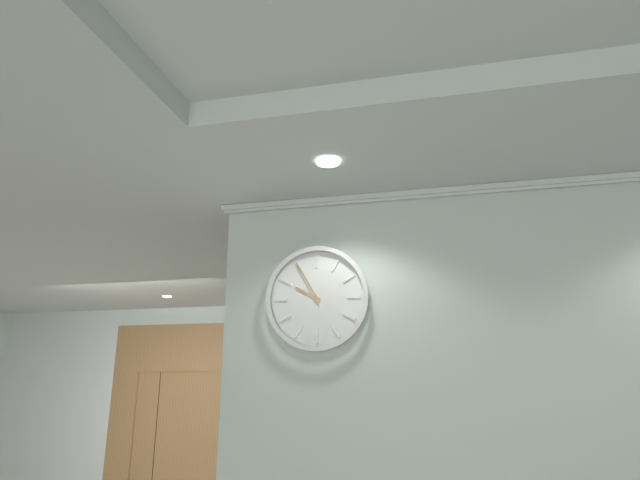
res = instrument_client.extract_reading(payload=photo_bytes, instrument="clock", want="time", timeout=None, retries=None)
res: 9:55
